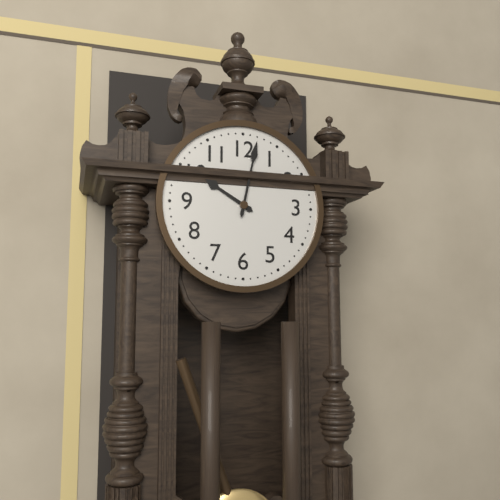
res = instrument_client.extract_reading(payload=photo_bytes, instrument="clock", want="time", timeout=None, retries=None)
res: 10:02
